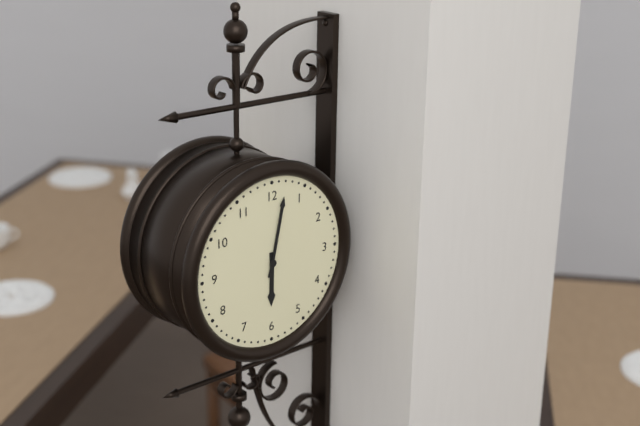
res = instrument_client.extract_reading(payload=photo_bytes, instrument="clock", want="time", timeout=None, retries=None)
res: 6:02
